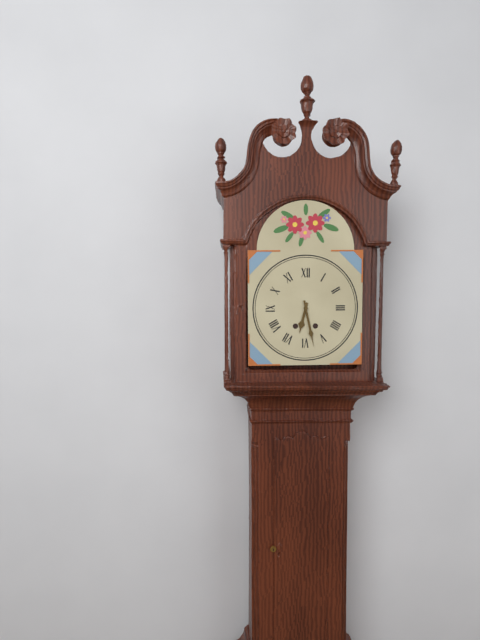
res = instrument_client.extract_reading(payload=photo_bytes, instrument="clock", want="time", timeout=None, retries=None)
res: 6:28
